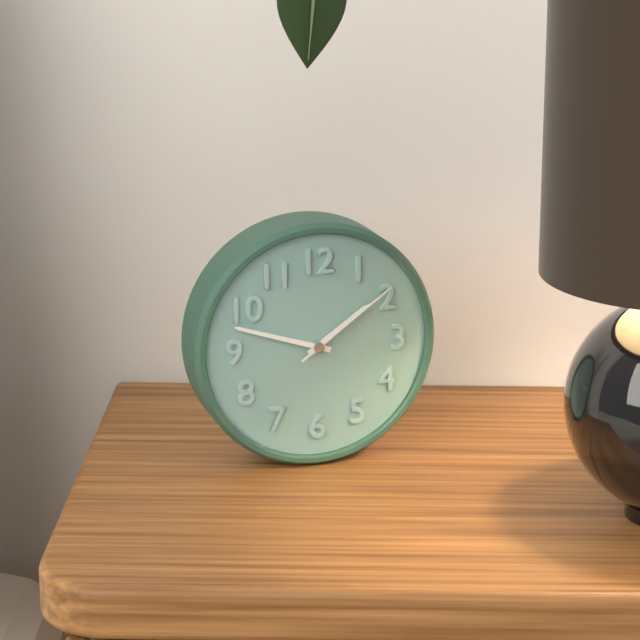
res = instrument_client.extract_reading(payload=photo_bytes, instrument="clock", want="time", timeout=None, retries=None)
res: 1:48:09
